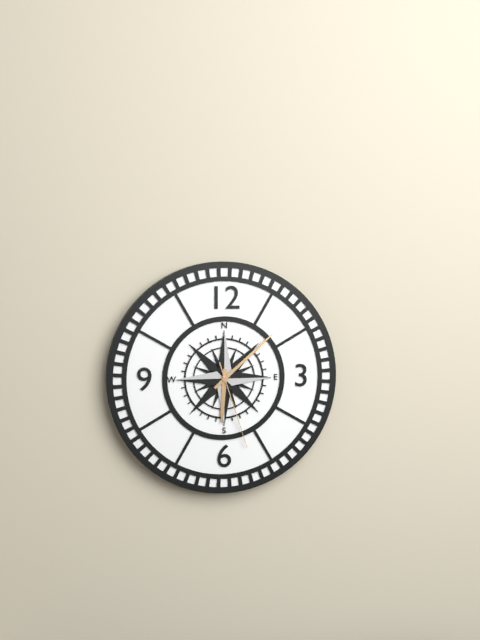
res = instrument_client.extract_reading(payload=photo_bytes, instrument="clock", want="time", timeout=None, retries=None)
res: 6:08:27
